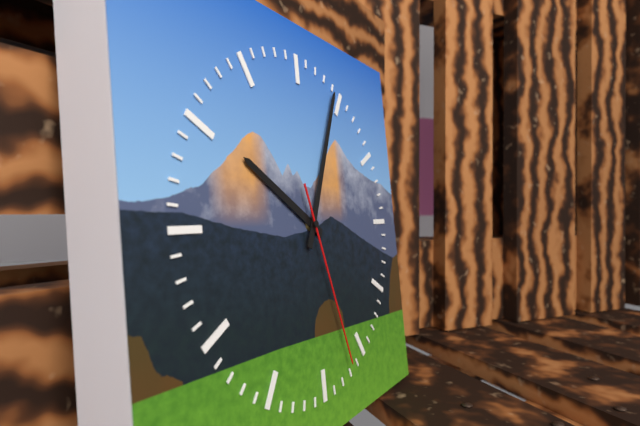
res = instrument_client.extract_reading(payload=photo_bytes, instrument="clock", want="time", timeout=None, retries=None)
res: 10:04:27
